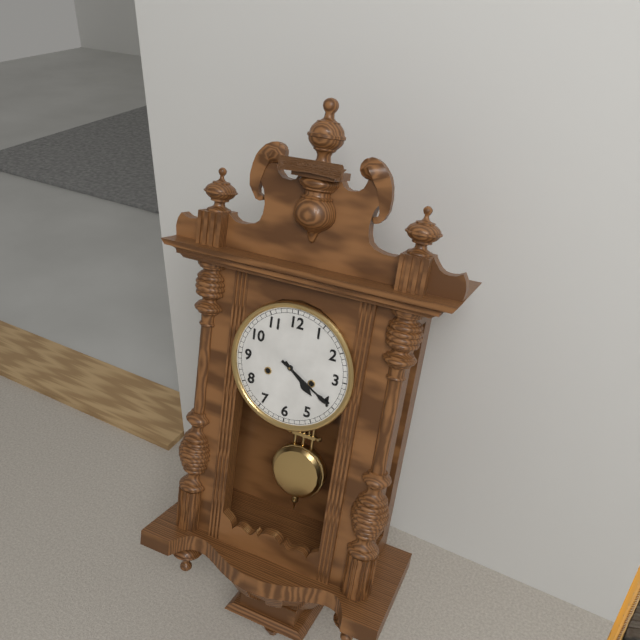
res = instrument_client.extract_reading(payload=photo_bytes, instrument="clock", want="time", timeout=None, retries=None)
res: 4:20
